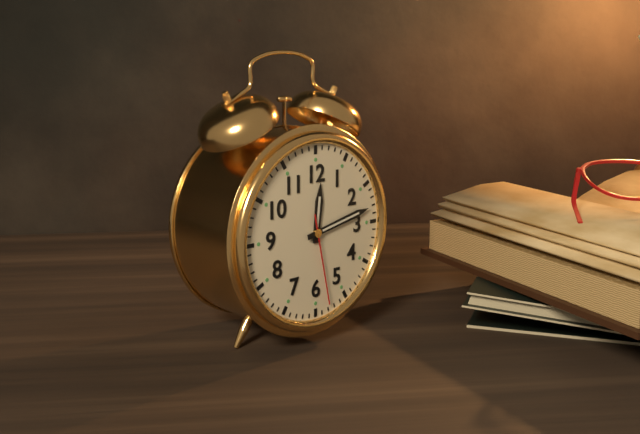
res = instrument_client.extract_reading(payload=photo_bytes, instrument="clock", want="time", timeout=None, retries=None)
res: 12:13:28
